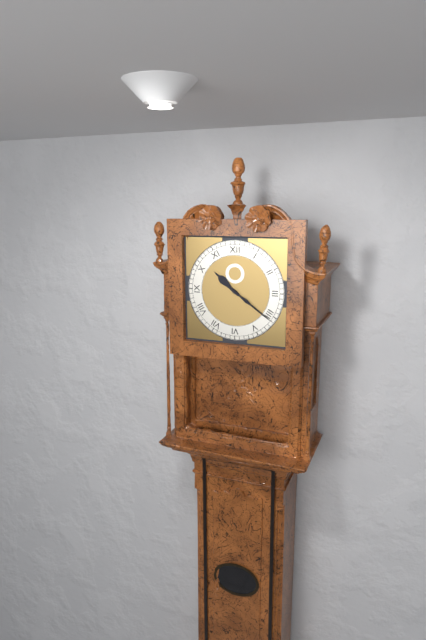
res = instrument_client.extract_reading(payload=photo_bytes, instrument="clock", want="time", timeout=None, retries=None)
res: 10:21
